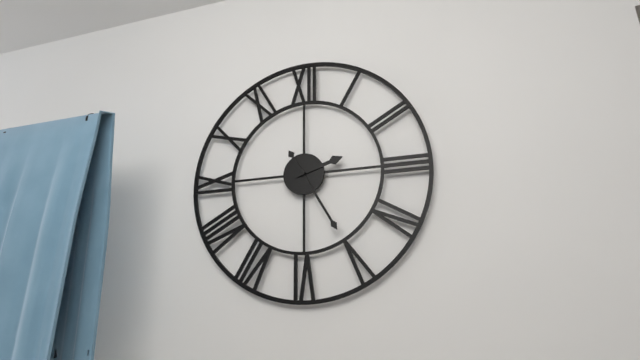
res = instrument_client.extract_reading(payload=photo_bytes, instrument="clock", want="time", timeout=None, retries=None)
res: 2:25
